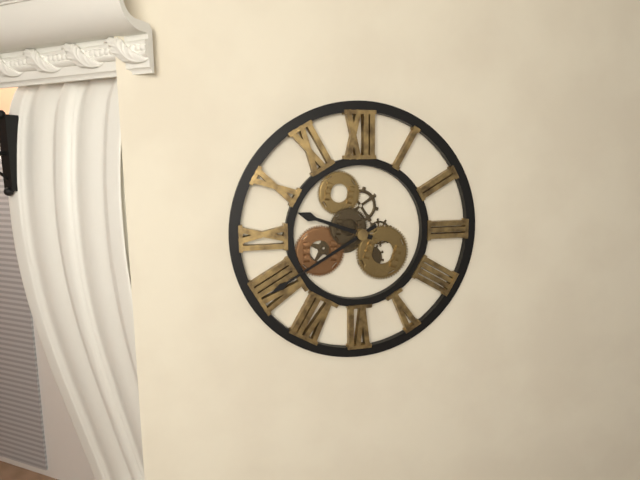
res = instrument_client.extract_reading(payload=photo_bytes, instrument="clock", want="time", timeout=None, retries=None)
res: 9:40
